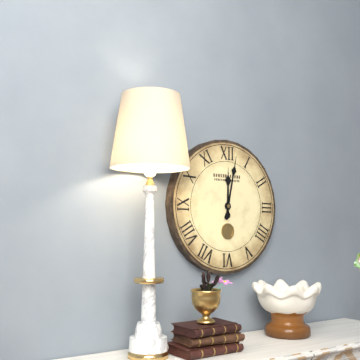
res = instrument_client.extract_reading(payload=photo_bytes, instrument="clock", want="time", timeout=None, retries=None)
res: 12:02
